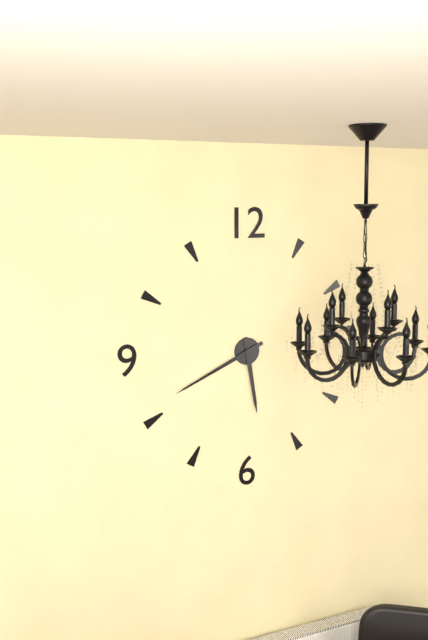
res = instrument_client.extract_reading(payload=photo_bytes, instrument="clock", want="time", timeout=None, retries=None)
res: 5:41
